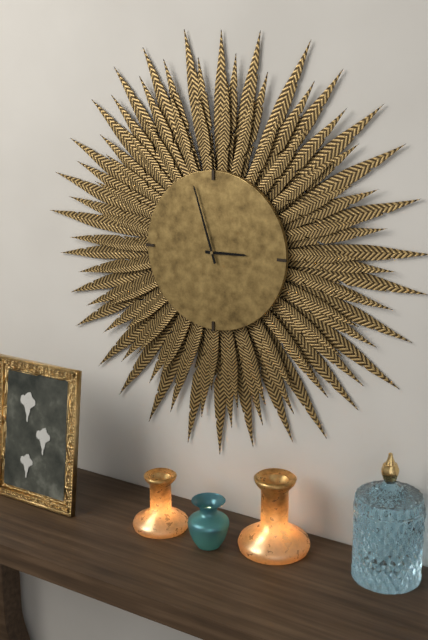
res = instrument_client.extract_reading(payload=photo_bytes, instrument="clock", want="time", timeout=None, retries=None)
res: 2:57
